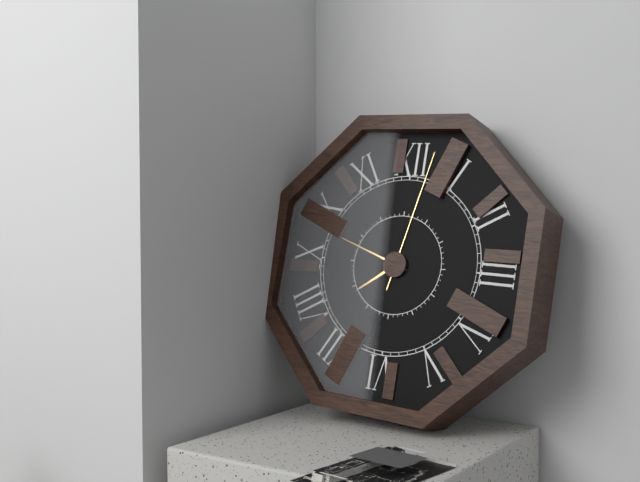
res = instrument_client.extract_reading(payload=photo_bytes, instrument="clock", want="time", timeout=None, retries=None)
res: 7:48:02
